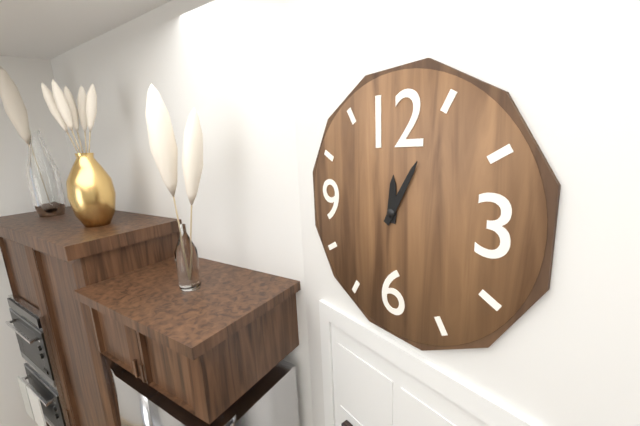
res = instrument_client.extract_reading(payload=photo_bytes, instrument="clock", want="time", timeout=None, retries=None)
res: 12:05
